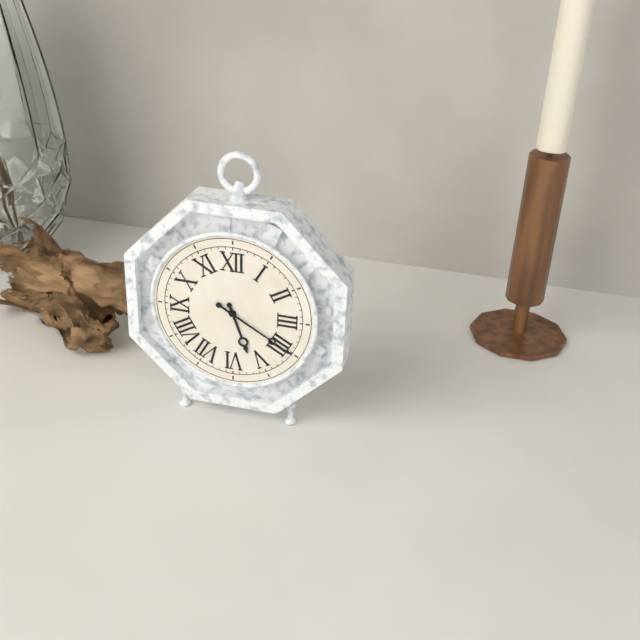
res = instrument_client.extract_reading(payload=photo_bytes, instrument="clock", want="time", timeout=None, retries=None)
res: 5:20
